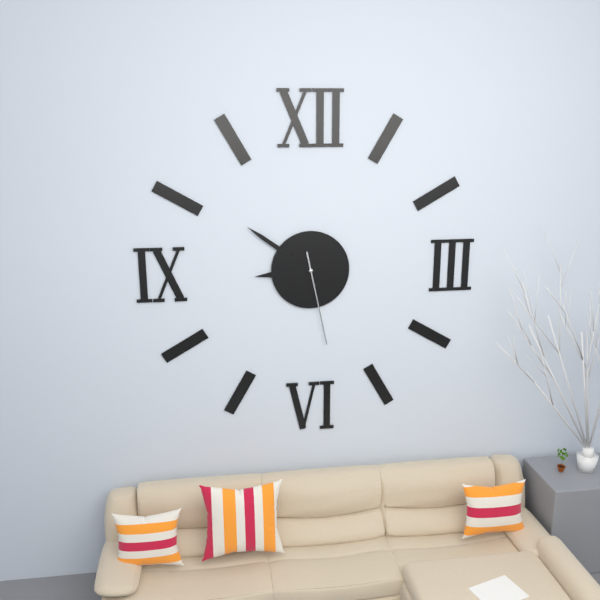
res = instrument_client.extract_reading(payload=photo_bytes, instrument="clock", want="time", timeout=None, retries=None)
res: 8:51:28
